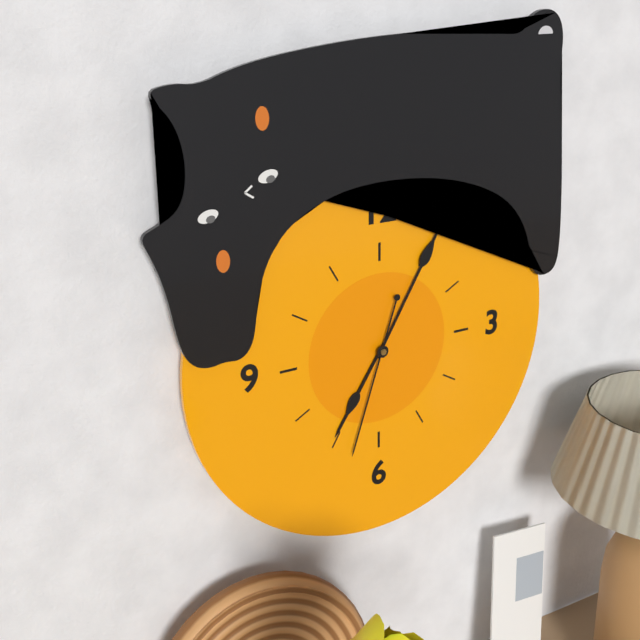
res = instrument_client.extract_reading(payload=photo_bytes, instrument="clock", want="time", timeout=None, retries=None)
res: 7:05:33
